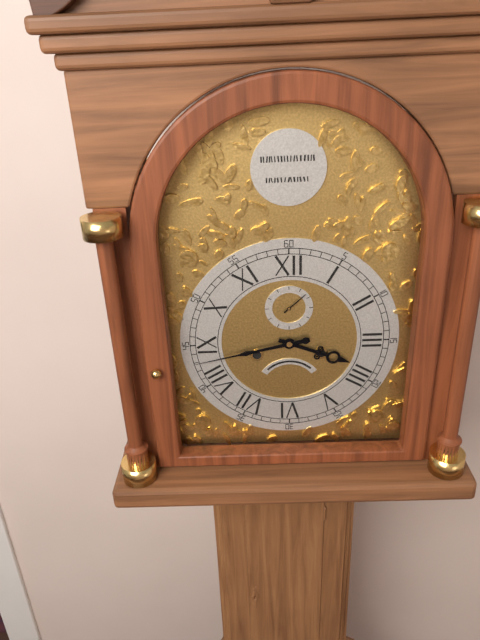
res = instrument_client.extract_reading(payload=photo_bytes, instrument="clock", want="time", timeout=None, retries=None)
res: 3:43
